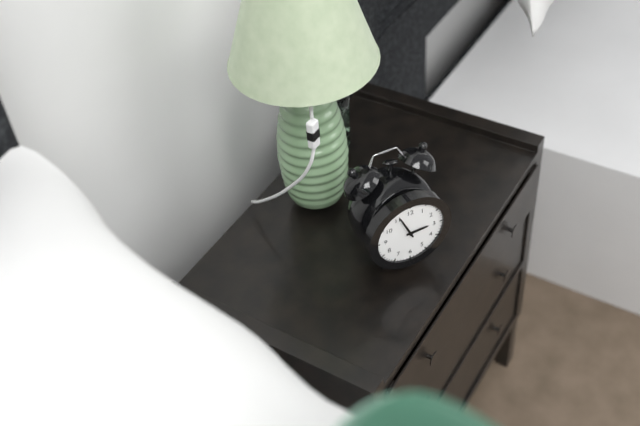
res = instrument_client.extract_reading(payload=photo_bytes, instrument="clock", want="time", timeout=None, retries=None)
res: 2:56
